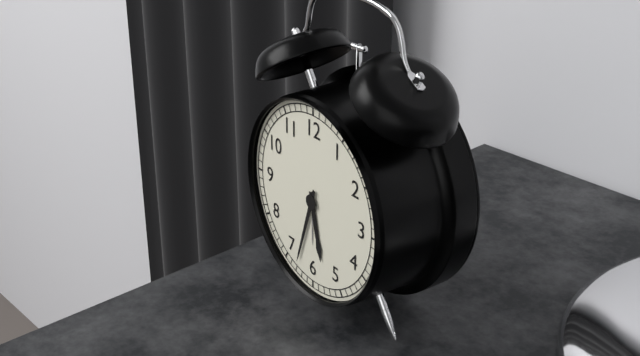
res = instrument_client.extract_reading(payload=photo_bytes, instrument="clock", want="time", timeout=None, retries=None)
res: 5:33
